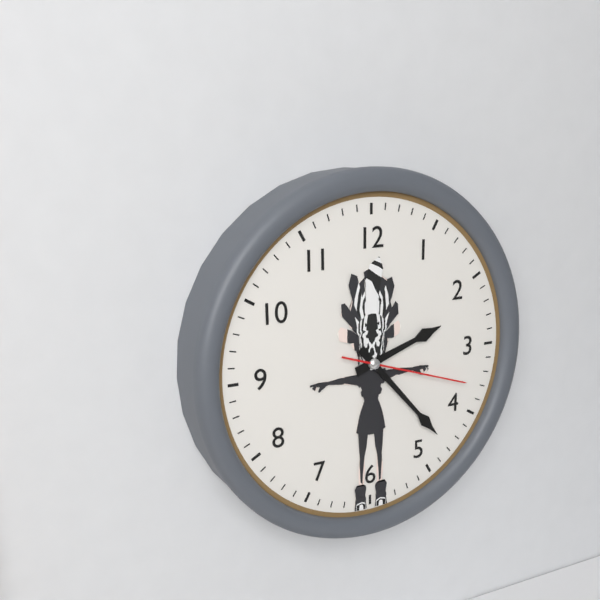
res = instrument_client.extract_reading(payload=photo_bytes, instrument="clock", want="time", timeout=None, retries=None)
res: 2:23:18
